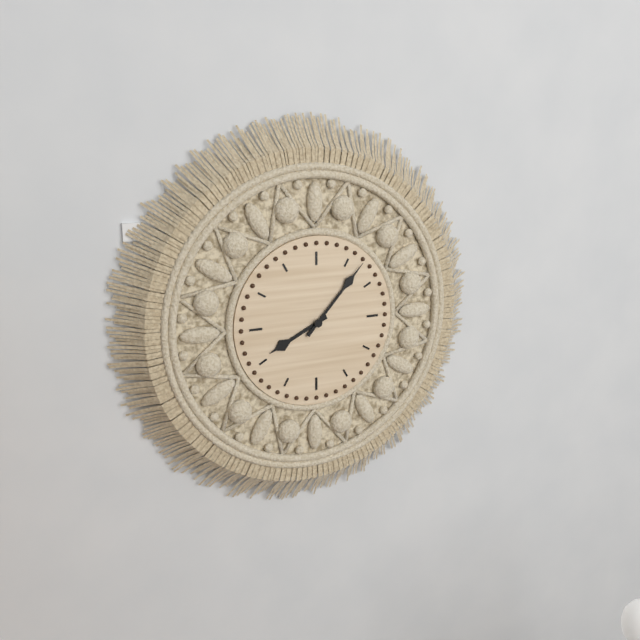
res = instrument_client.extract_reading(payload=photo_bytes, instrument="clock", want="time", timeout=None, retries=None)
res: 8:07
